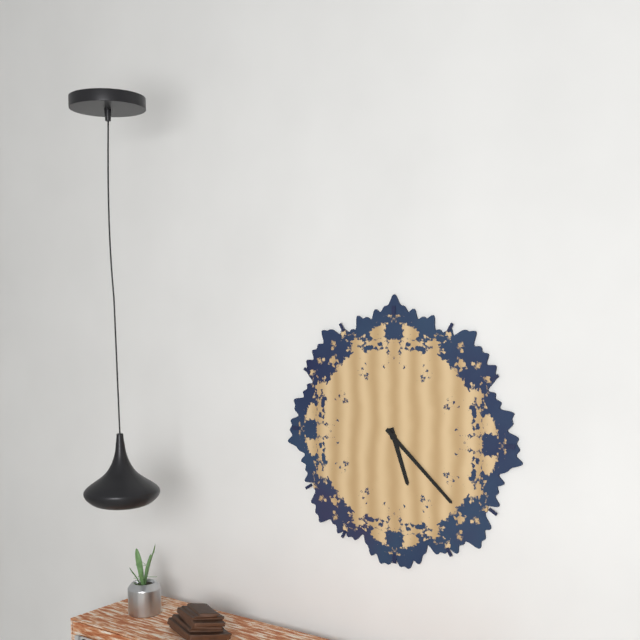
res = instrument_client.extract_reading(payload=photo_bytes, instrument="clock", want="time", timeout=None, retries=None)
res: 5:22
